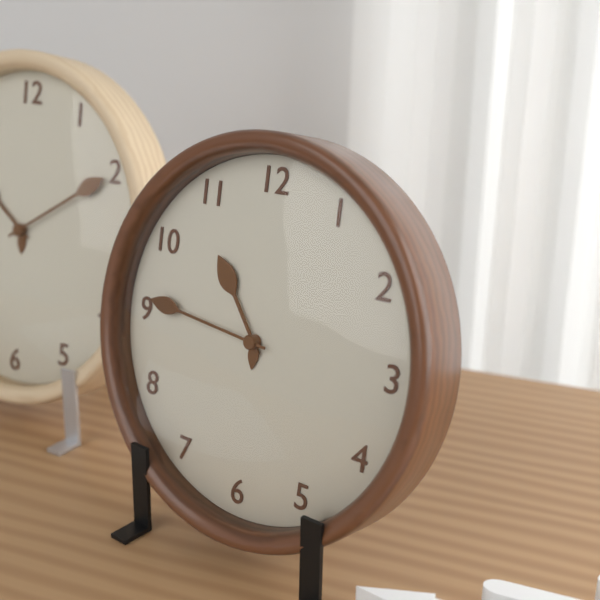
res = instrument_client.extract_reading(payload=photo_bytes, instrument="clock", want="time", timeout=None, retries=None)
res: 10:46
